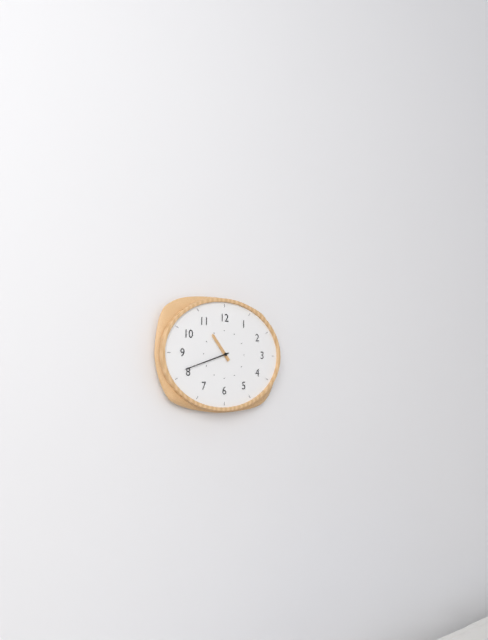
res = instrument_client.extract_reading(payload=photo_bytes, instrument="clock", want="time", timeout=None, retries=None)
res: 10:42
